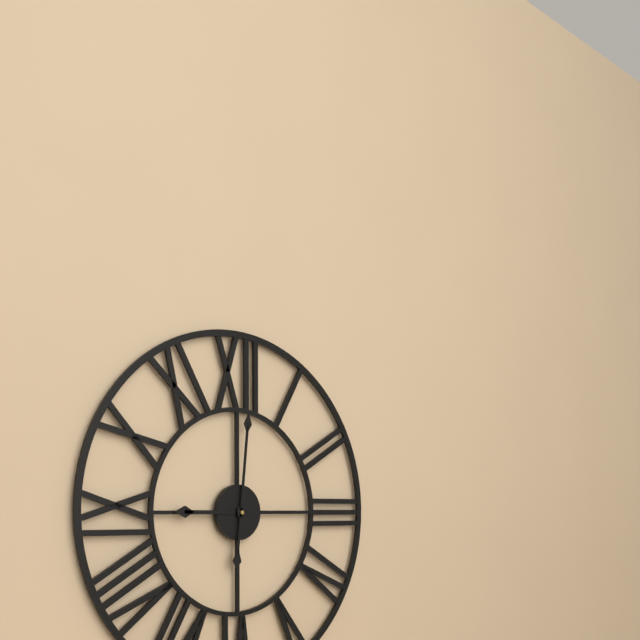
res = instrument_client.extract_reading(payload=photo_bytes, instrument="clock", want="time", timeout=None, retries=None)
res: 9:01
